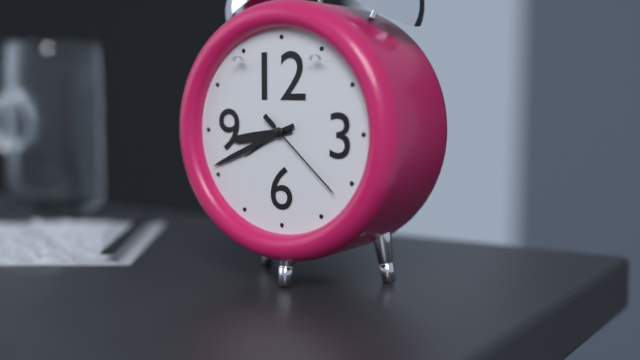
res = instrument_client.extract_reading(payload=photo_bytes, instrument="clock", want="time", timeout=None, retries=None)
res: 8:41:22
